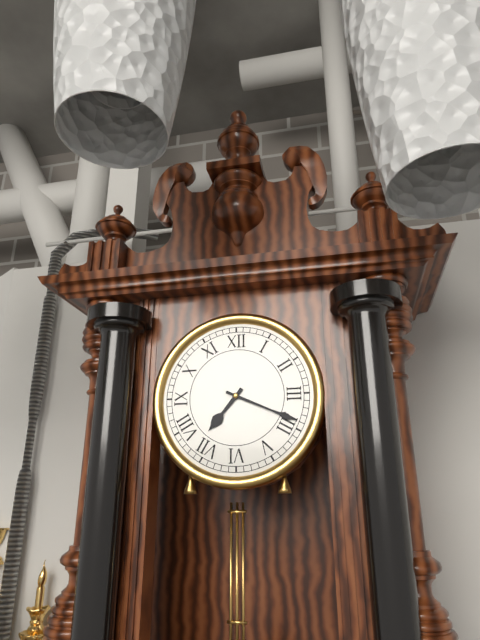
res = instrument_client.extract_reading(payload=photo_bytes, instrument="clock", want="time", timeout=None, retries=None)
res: 7:19
